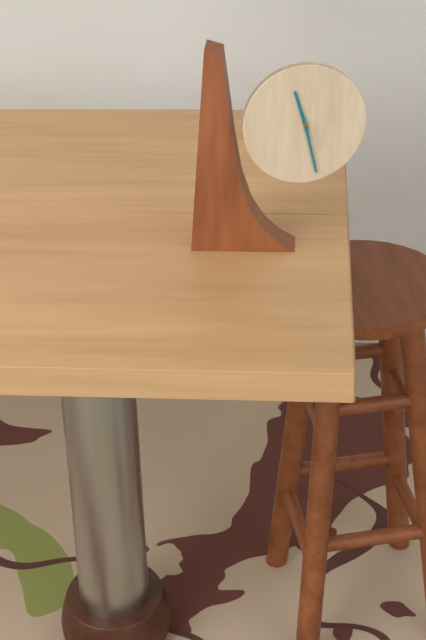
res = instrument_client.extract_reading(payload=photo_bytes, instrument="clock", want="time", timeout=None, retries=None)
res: 11:28
